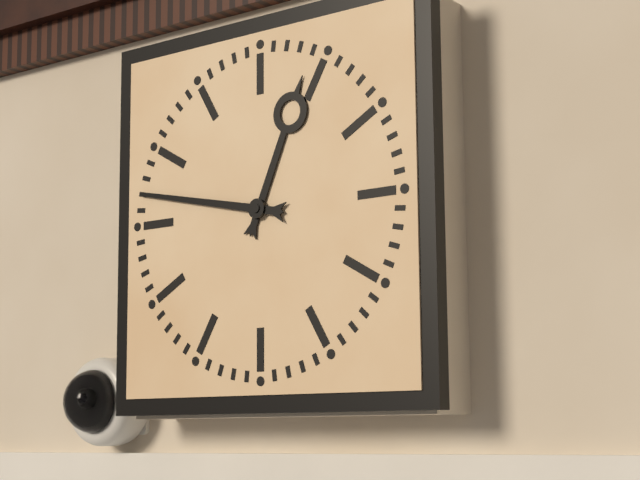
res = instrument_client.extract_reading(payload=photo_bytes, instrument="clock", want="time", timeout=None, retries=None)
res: 12:47
